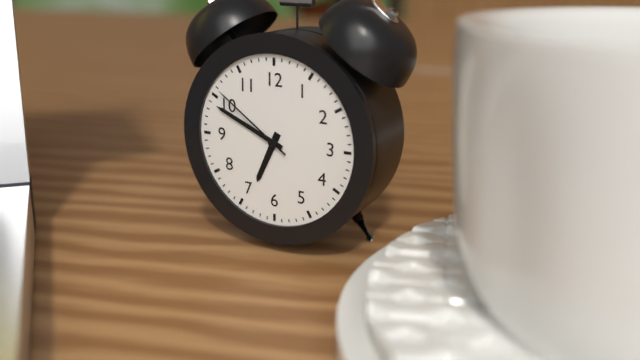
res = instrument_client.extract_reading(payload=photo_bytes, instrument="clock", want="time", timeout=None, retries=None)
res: 6:49:51
